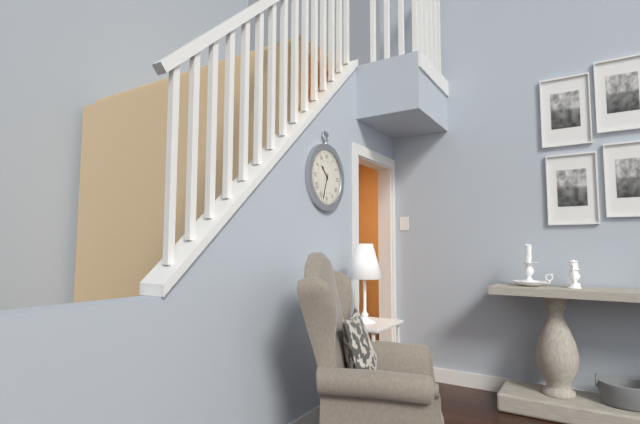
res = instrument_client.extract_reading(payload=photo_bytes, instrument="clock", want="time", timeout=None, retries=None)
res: 10:33
